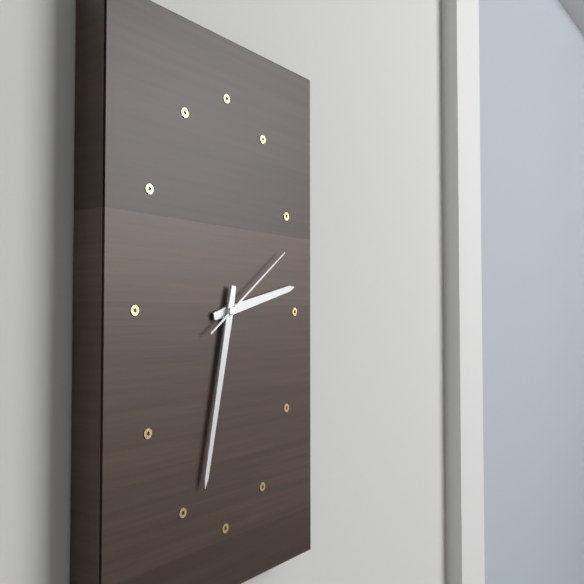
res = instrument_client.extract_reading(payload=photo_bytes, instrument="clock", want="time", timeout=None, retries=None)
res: 2:32:09
